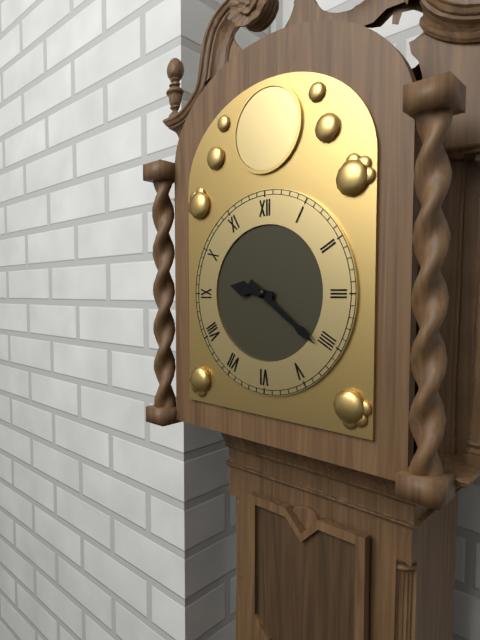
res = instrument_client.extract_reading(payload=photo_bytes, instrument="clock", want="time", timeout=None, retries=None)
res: 9:21
